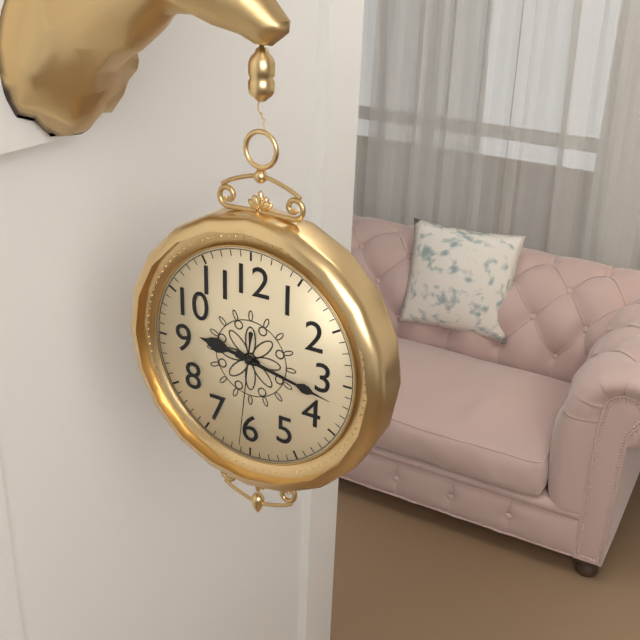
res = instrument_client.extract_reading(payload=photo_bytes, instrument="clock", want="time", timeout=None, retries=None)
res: 9:17:31
